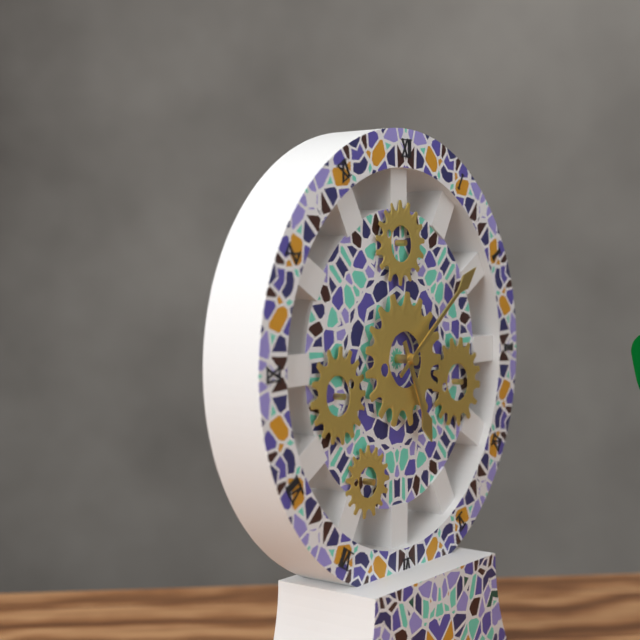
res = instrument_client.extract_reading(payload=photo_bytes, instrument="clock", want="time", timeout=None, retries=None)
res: 5:09
